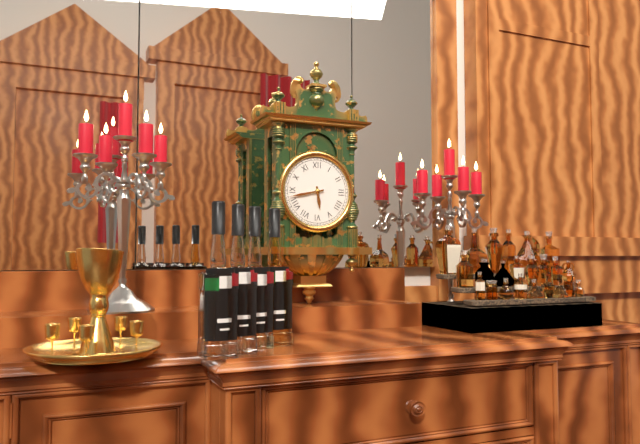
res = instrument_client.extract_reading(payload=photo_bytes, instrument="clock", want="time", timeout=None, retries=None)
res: 5:43
